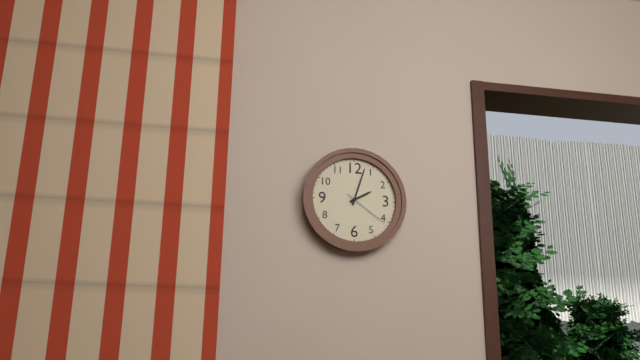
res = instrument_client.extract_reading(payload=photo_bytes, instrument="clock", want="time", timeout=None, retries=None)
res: 2:03
